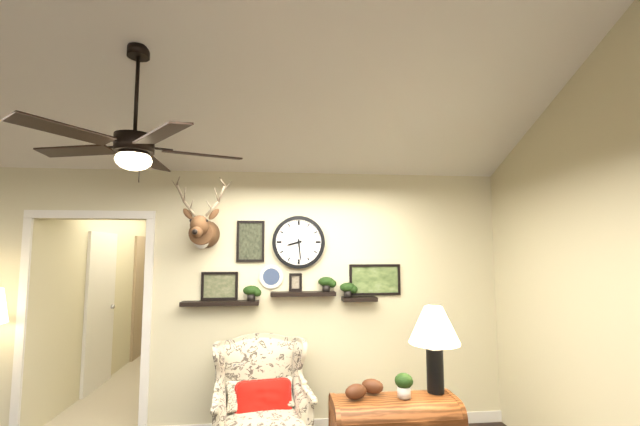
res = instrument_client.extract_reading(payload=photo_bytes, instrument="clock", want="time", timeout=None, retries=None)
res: 8:29
